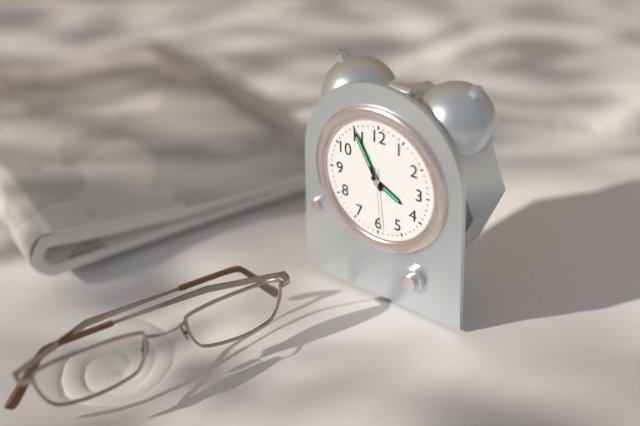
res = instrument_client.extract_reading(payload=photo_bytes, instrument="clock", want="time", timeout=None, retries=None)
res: 3:55:29
